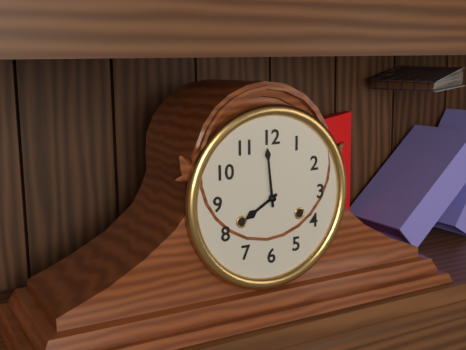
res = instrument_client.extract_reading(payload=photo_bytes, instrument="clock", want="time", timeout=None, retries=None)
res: 7:59
